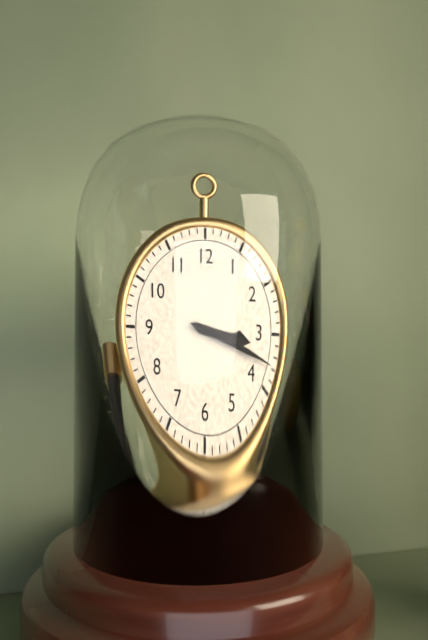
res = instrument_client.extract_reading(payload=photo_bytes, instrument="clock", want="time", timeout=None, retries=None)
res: 3:18
